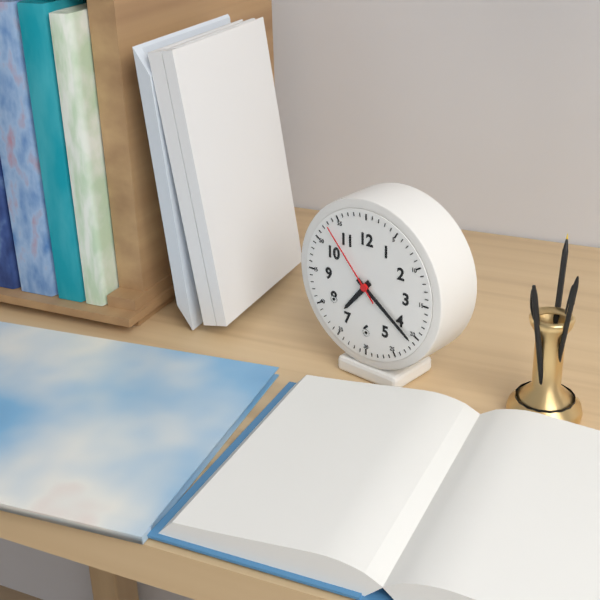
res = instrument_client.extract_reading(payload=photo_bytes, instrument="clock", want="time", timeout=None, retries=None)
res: 7:21:53
